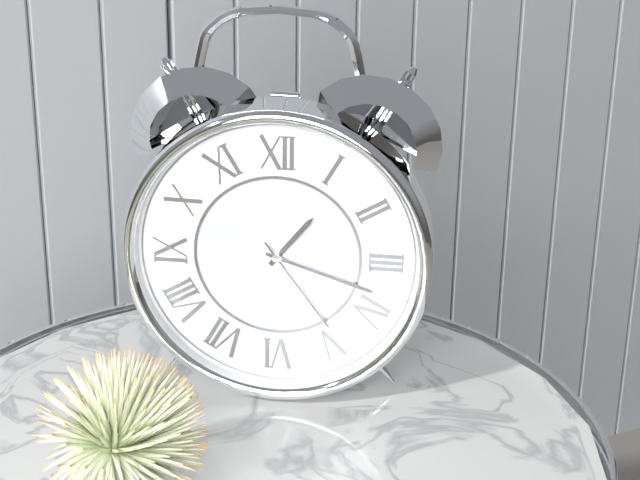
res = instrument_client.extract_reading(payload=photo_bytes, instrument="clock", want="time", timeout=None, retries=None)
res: 1:18:24
